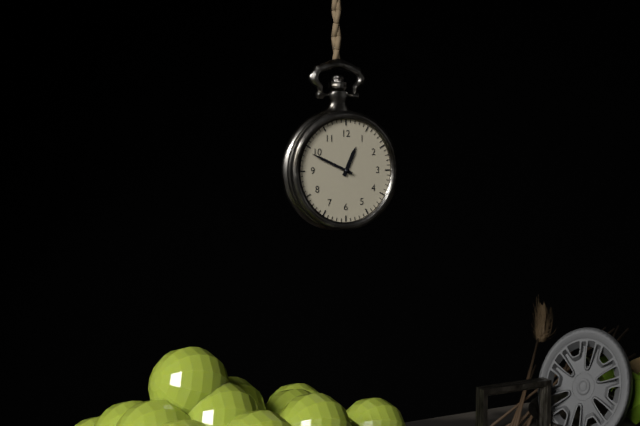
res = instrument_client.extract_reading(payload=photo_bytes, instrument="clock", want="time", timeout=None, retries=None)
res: 12:49
